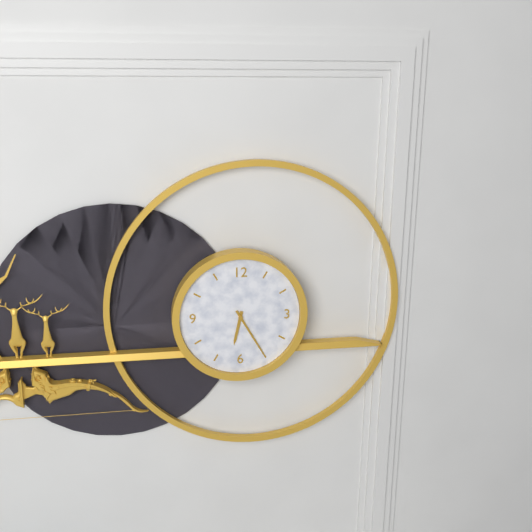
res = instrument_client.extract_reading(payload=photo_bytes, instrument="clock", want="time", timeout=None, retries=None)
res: 6:25
